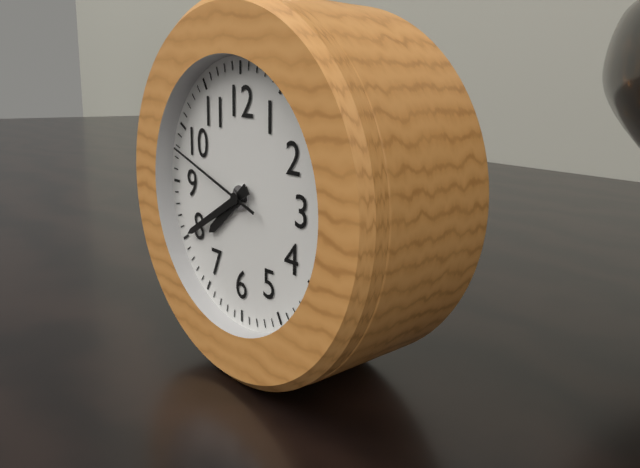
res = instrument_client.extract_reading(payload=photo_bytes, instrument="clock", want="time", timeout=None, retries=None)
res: 7:40:48
